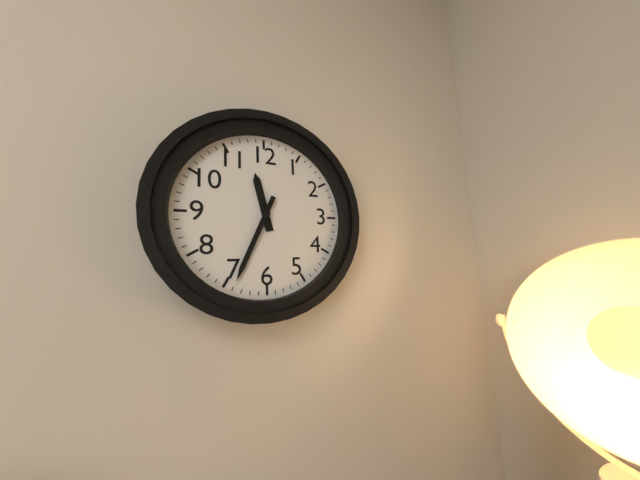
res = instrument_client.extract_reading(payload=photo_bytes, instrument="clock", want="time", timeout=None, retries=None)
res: 11:34
